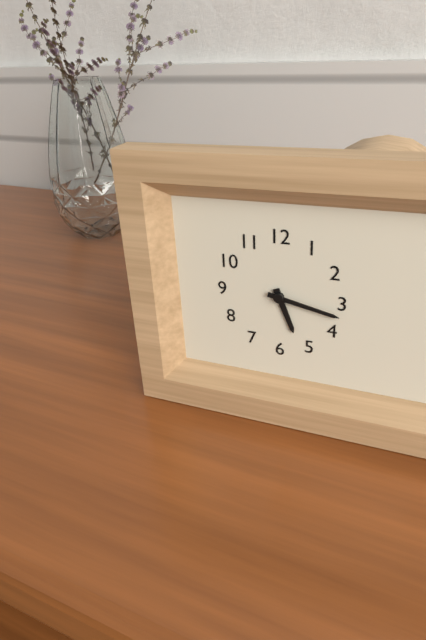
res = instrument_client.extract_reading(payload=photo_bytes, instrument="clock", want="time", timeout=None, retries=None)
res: 5:17
